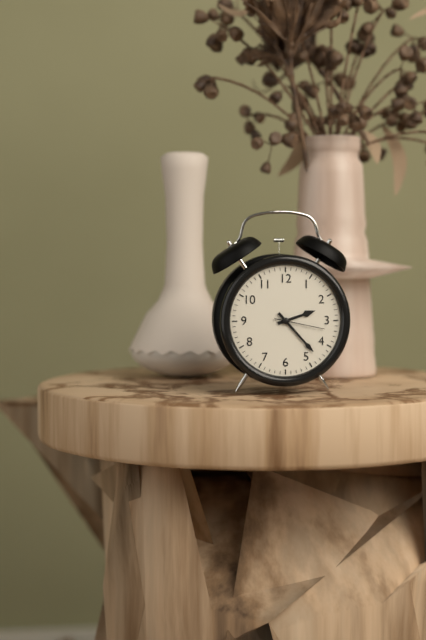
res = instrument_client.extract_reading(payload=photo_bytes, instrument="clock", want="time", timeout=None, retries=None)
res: 2:23
